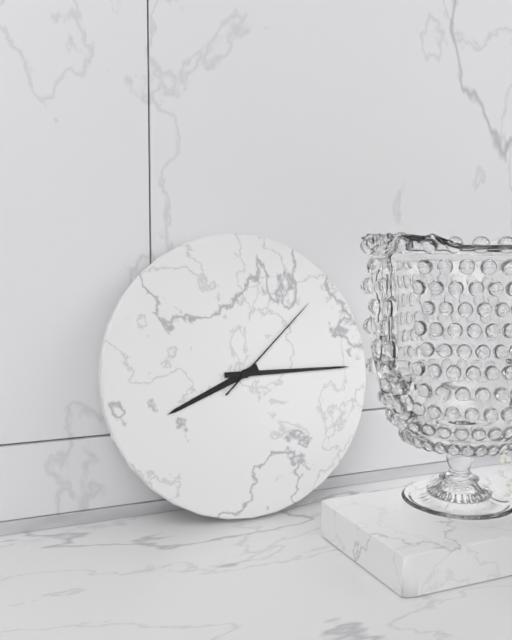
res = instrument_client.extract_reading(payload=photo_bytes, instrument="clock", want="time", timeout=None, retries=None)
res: 8:15:08
